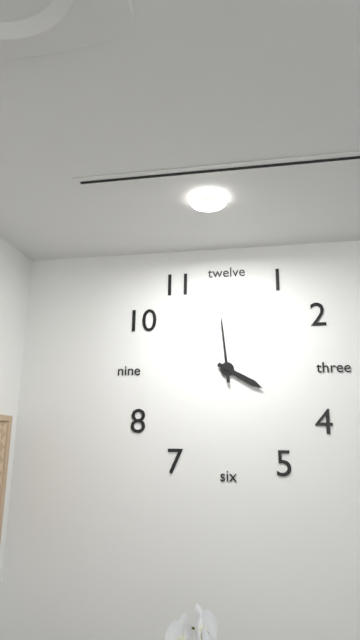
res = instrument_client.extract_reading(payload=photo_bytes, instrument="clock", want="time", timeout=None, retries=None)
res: 3:59
